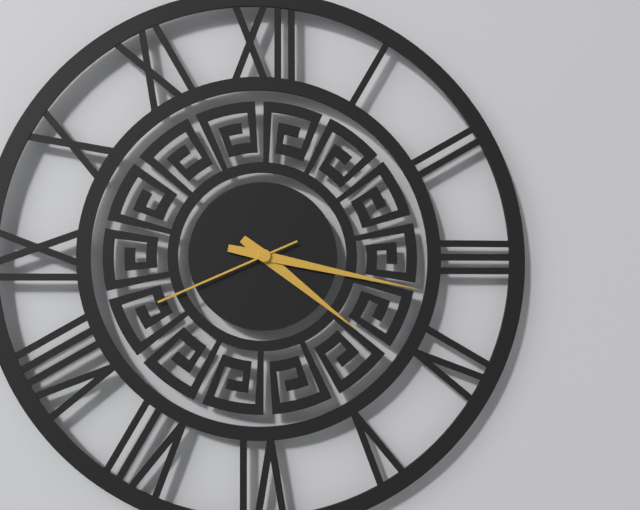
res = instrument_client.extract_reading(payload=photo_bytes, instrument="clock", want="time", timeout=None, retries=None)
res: 4:17:41
